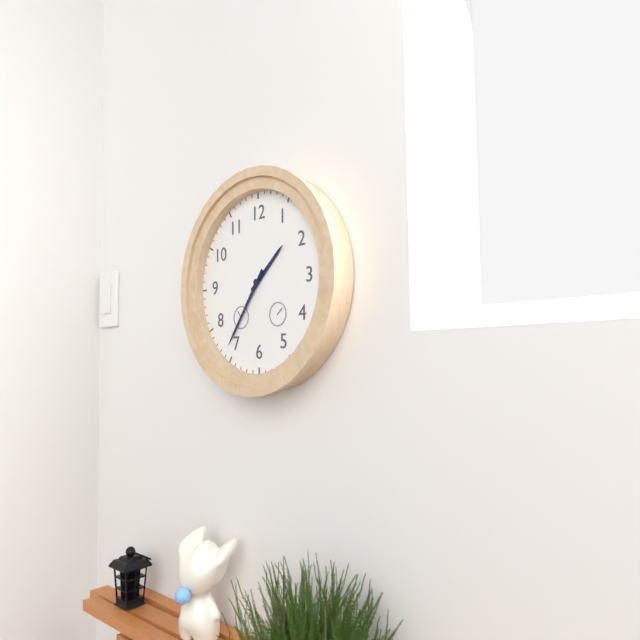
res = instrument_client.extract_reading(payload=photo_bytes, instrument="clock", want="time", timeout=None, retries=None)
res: 1:36
